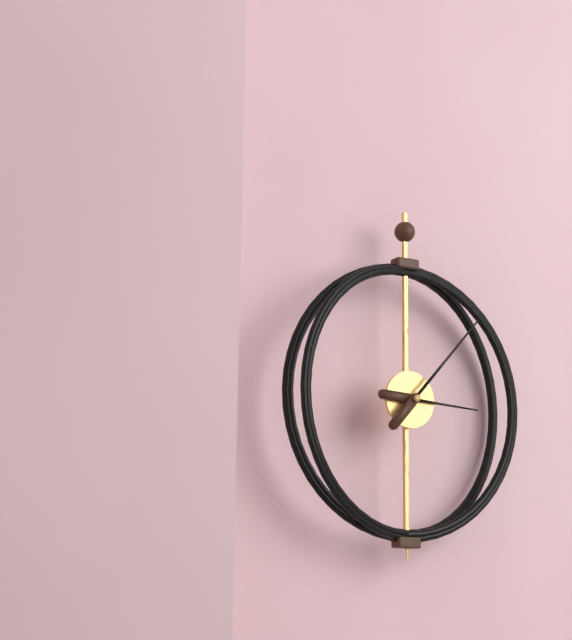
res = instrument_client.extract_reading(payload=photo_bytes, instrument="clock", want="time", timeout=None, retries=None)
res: 3:07
